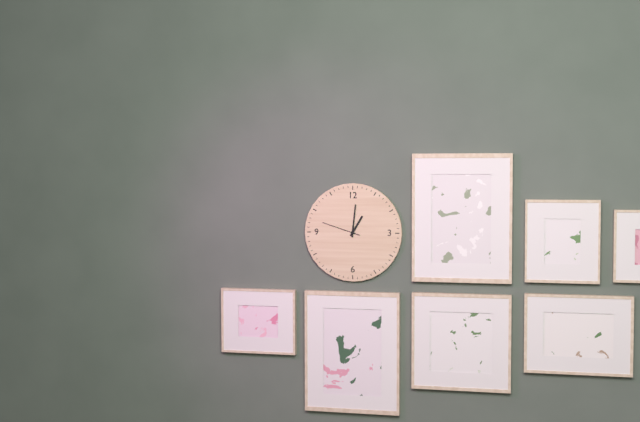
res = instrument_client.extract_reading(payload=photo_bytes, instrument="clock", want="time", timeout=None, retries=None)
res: 1:01
